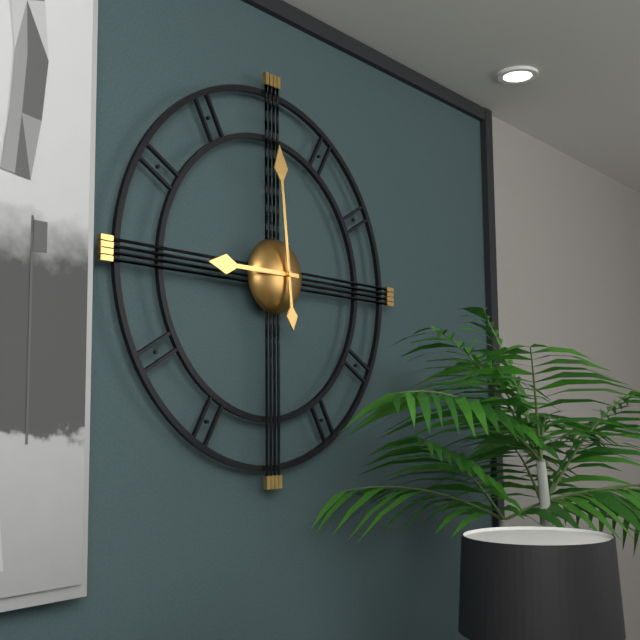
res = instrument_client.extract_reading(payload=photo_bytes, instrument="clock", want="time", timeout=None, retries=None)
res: 8:59
